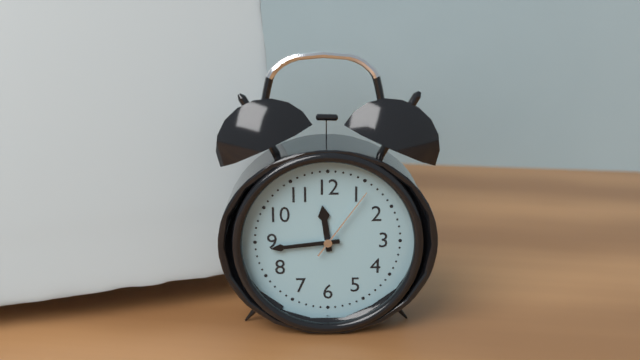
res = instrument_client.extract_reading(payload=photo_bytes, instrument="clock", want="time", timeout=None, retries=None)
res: 11:44:06
